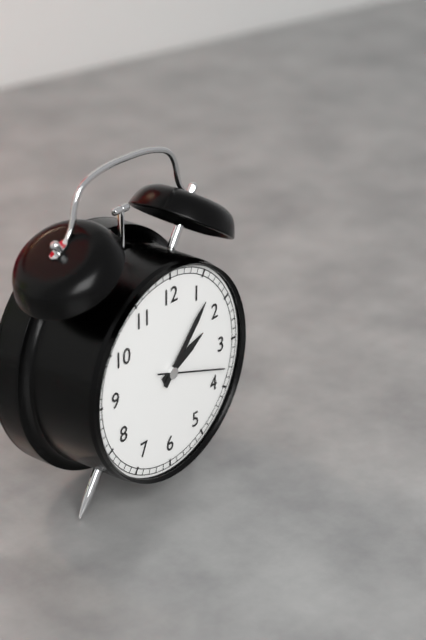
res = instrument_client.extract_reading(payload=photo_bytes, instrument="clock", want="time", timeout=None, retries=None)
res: 2:07:18
